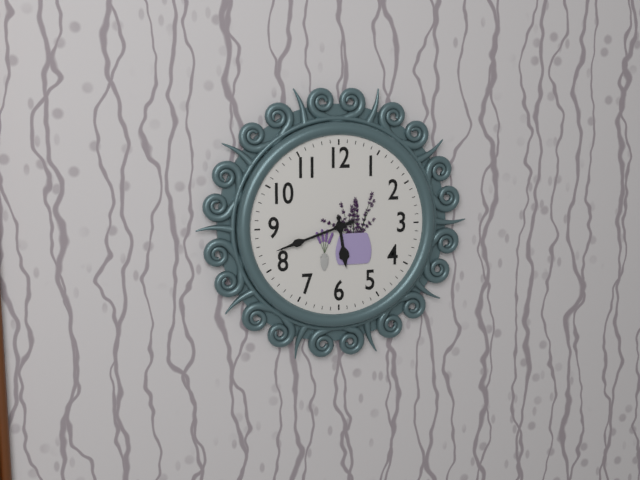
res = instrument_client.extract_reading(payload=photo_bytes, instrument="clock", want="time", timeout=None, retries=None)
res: 5:42
